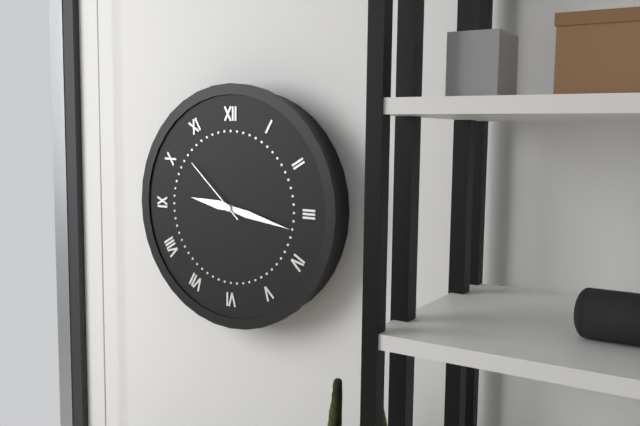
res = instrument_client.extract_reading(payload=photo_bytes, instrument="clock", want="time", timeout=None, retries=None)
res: 9:17:52
